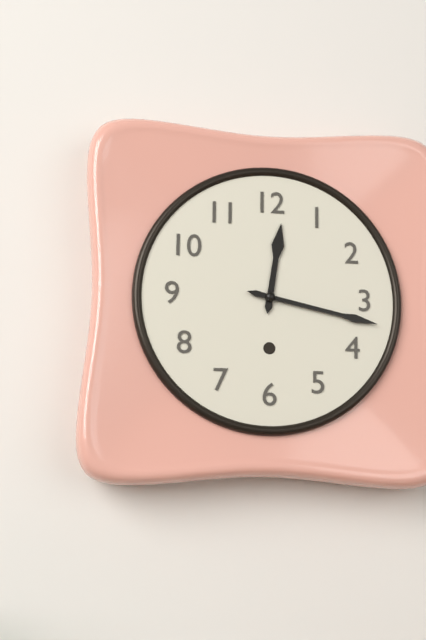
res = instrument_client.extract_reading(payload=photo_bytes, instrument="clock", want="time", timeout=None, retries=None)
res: 12:17
